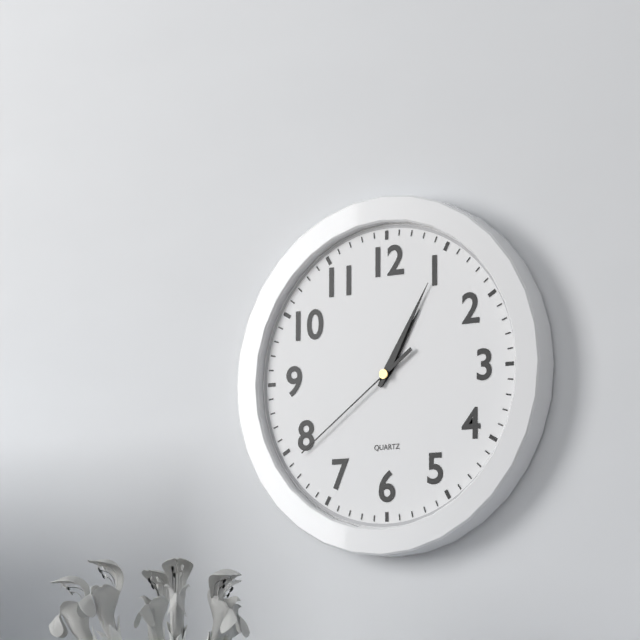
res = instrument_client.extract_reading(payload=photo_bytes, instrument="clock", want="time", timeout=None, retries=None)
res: 1:05:39
